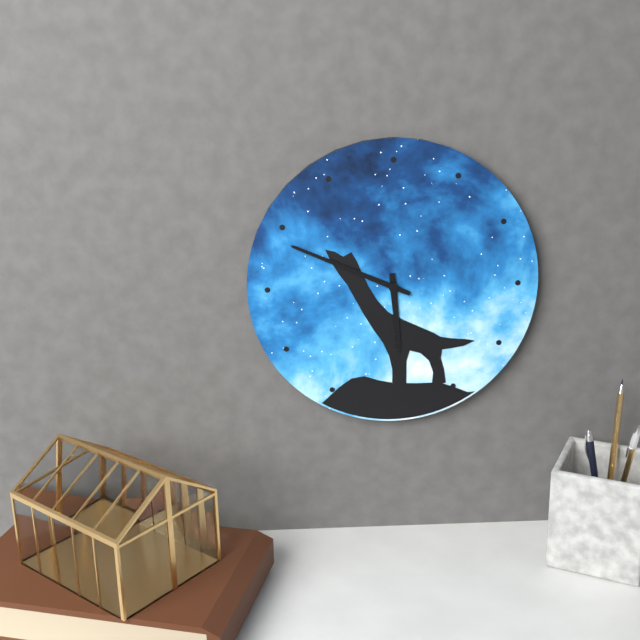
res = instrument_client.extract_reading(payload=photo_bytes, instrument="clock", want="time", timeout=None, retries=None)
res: 5:49
